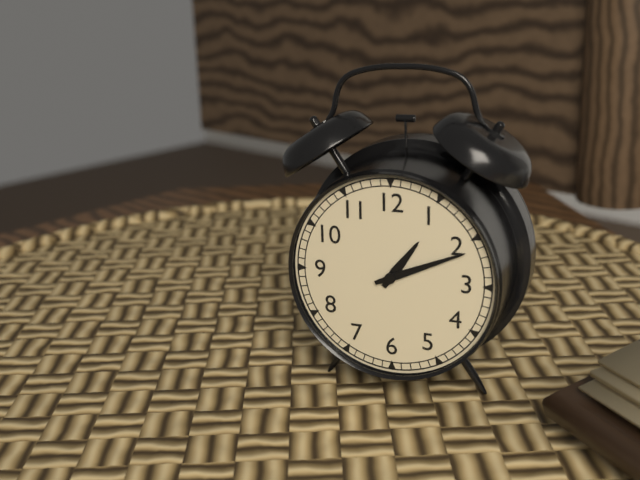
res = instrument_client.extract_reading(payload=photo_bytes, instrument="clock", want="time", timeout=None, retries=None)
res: 1:11
